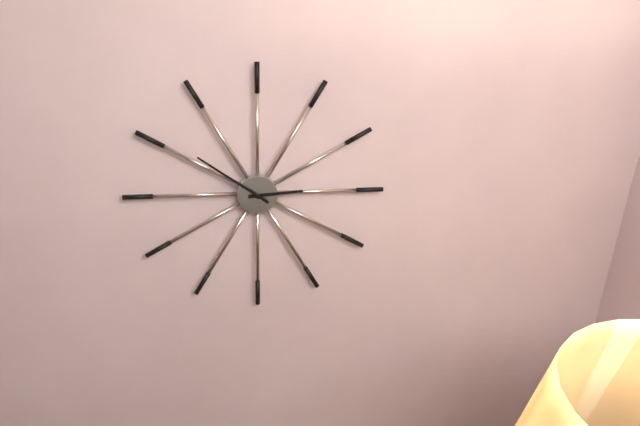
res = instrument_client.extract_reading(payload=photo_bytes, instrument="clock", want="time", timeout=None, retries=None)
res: 2:51
